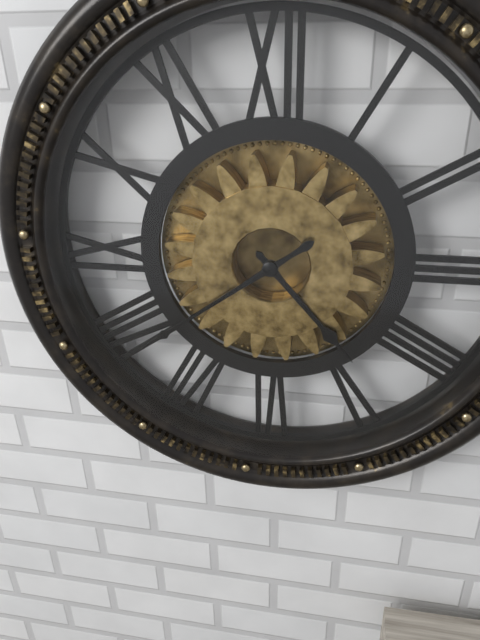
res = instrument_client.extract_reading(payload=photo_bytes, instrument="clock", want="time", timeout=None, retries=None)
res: 4:39
